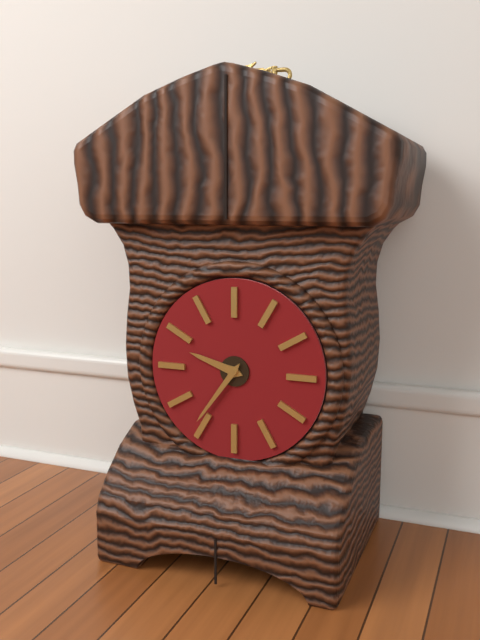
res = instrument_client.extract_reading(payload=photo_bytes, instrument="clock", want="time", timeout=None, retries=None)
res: 9:36
